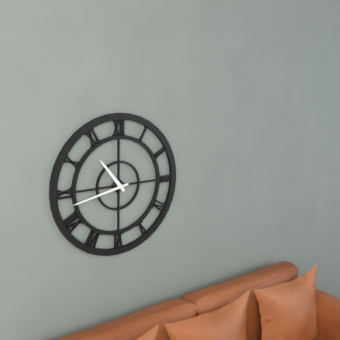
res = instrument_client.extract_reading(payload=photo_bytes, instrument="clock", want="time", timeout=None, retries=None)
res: 10:43
